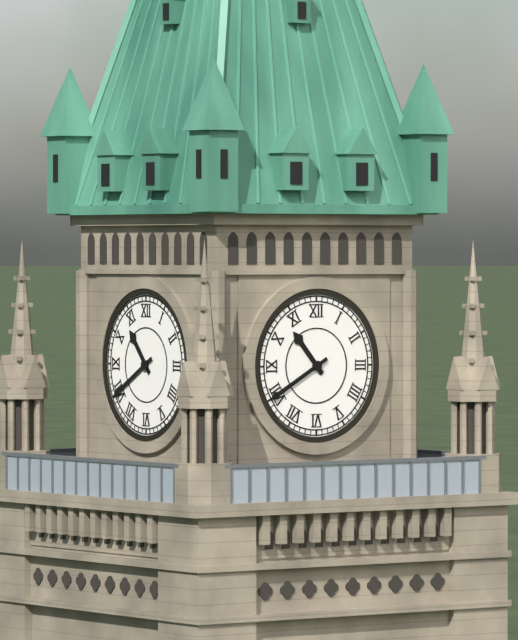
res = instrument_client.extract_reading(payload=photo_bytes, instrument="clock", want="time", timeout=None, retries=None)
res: 10:40
